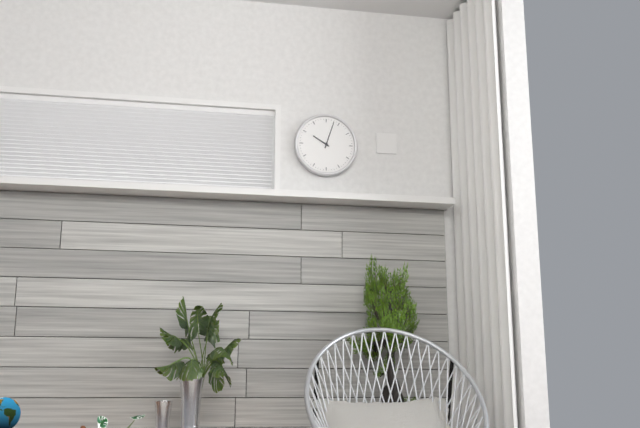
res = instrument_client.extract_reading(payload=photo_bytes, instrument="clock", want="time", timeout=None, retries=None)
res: 10:03
